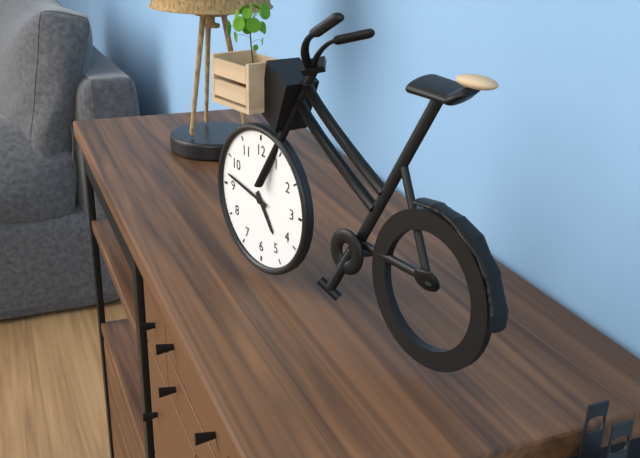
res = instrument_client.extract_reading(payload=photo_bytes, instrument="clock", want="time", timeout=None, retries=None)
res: 4:47
